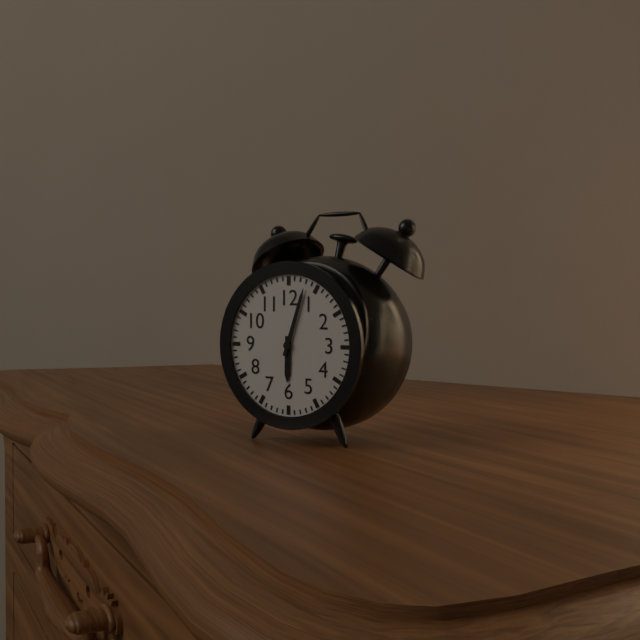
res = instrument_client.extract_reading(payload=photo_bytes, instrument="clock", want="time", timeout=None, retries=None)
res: 6:03
